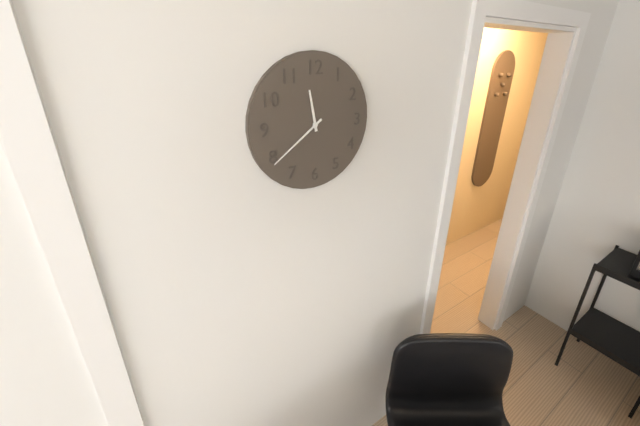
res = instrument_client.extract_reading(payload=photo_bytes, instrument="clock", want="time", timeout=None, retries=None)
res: 11:39
